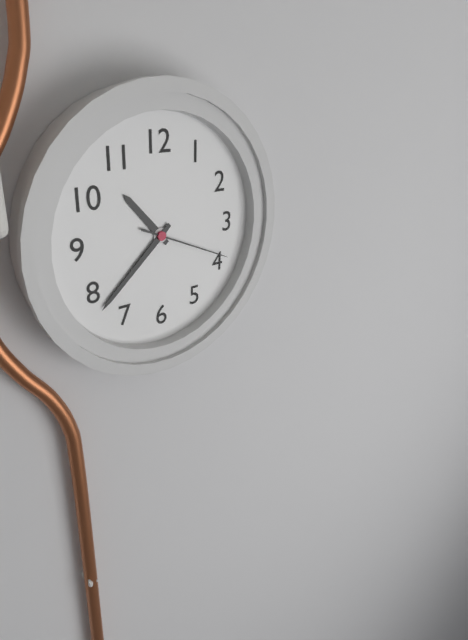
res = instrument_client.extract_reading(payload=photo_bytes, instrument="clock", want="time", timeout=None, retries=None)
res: 10:38:19
